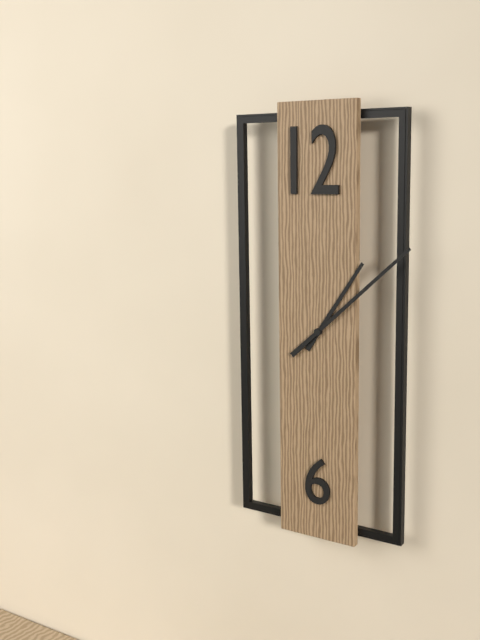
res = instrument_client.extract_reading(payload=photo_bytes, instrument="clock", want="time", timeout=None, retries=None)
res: 1:08
